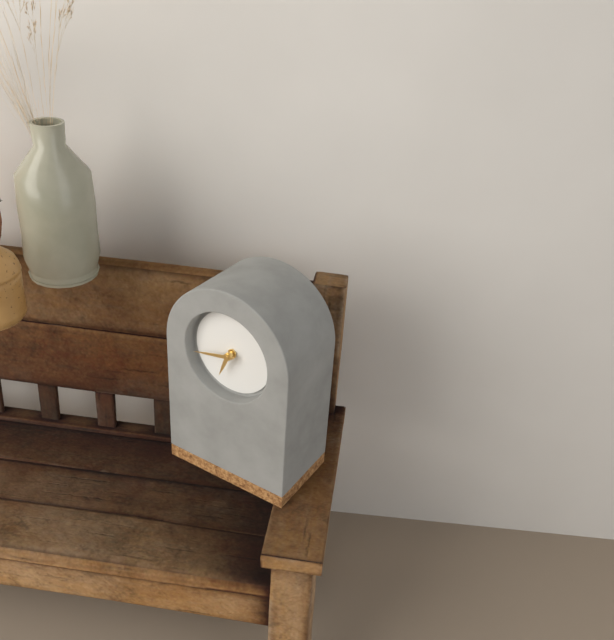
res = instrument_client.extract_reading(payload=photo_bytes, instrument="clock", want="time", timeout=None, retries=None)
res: 6:43
